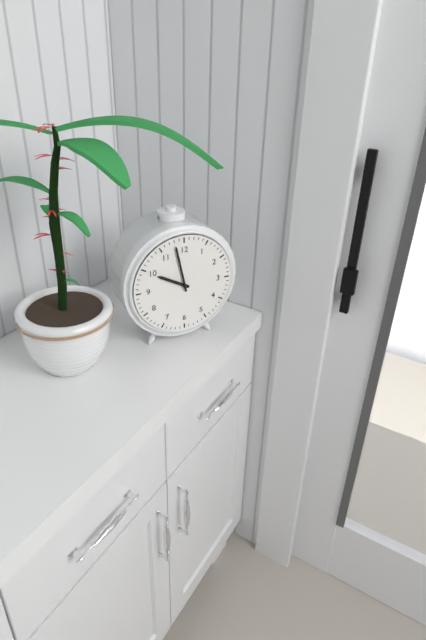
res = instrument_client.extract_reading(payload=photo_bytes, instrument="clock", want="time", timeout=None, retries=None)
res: 9:58
